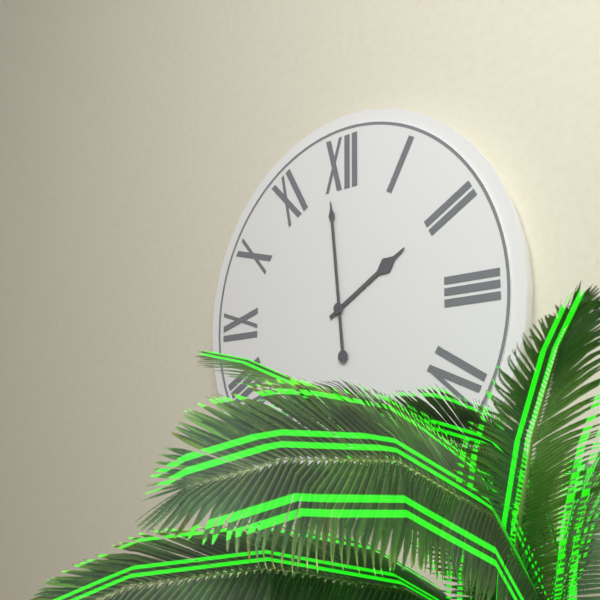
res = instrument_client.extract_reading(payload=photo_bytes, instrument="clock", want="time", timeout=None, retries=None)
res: 1:59
